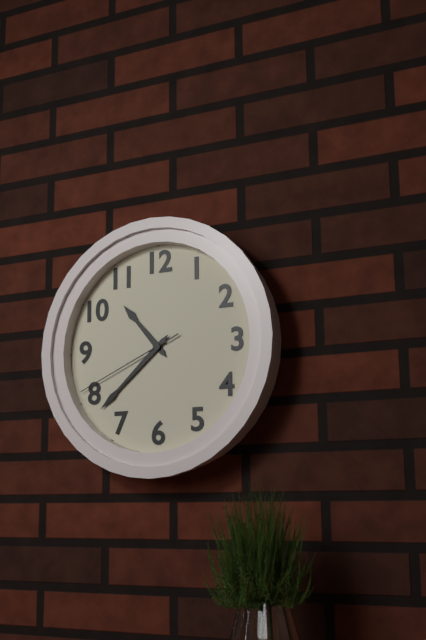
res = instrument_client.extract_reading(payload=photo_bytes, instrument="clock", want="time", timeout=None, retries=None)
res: 10:38:41
